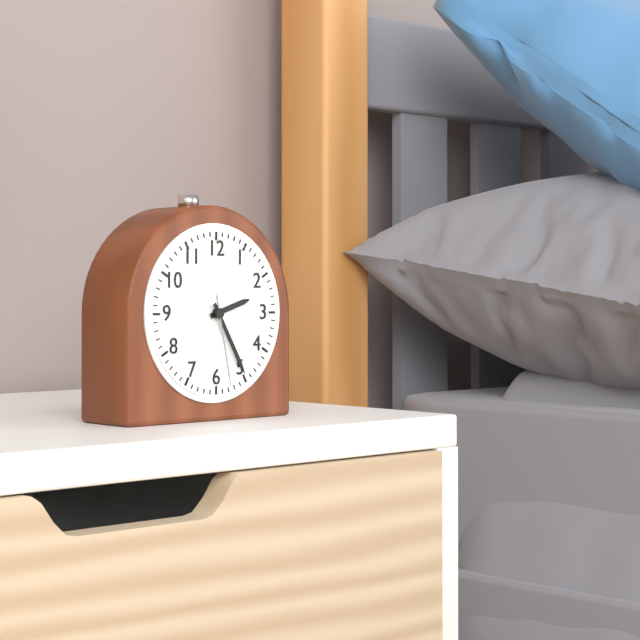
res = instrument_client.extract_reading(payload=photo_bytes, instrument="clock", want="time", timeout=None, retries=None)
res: 2:25:28
